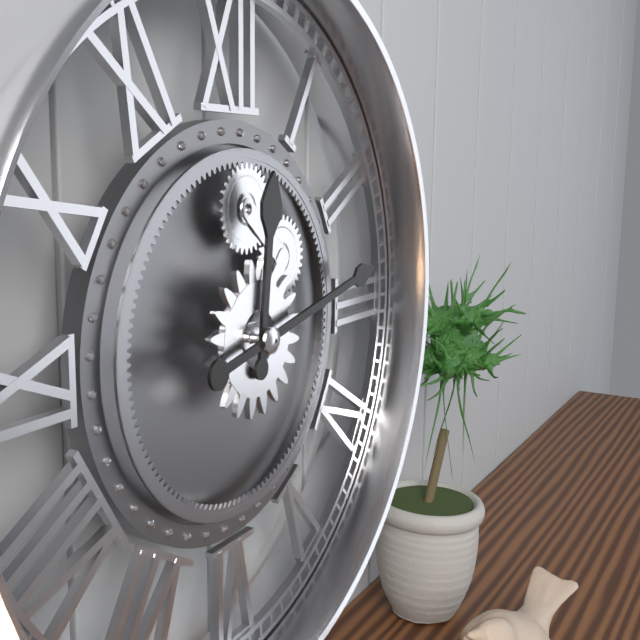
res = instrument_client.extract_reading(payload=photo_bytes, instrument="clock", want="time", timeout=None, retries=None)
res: 12:13
